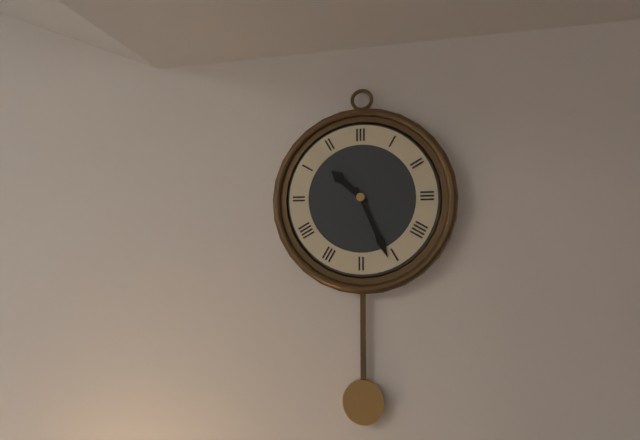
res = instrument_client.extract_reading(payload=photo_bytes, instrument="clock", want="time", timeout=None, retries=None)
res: 10:26
